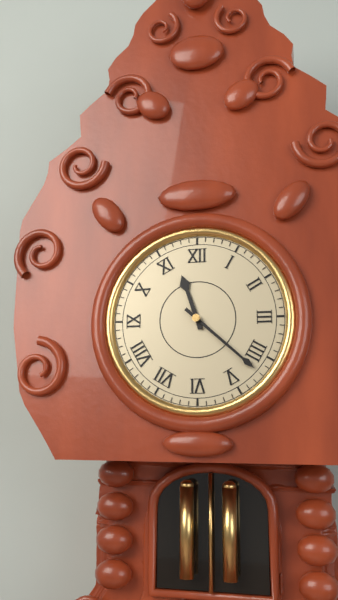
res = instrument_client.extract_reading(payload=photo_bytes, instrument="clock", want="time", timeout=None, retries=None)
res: 11:22
